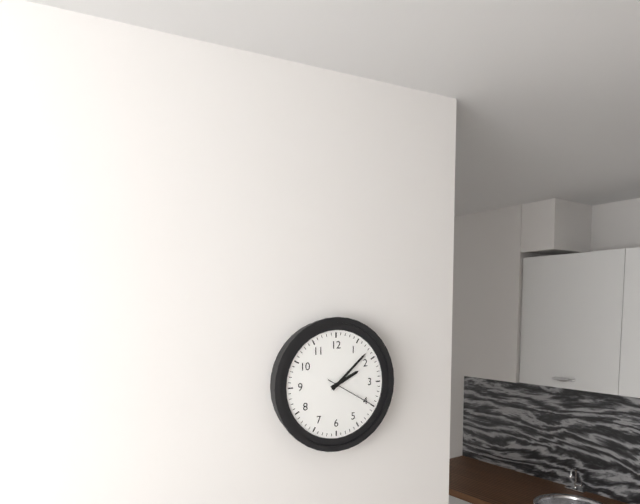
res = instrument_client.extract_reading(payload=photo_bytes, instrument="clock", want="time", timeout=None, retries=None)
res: 2:08:20
